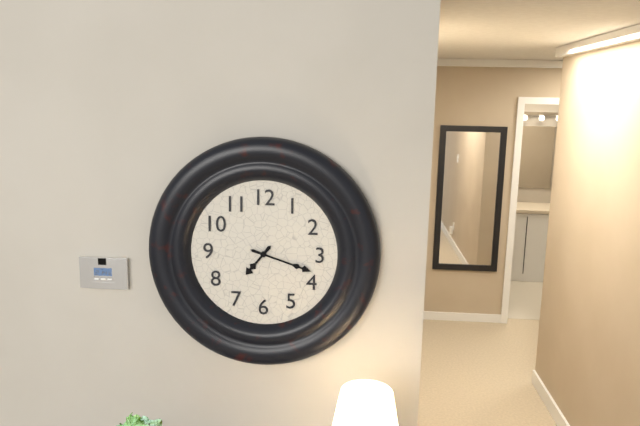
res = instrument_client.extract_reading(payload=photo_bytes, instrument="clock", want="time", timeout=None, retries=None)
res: 7:18
